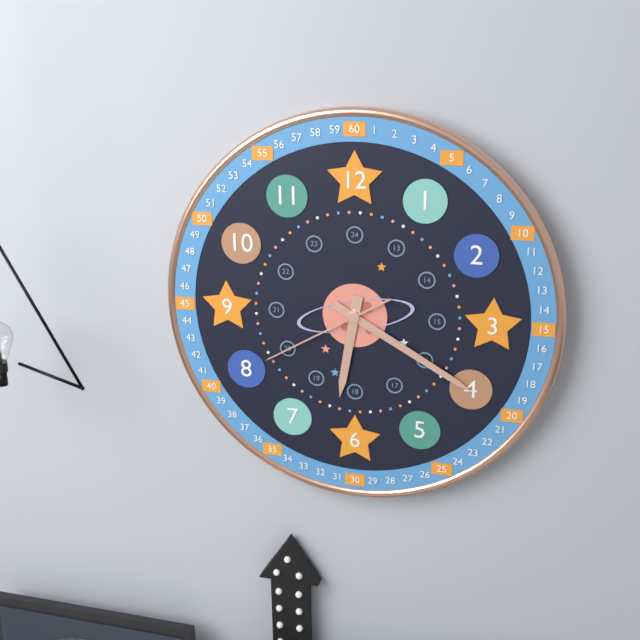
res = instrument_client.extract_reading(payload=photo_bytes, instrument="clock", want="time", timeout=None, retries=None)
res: 6:20:40
